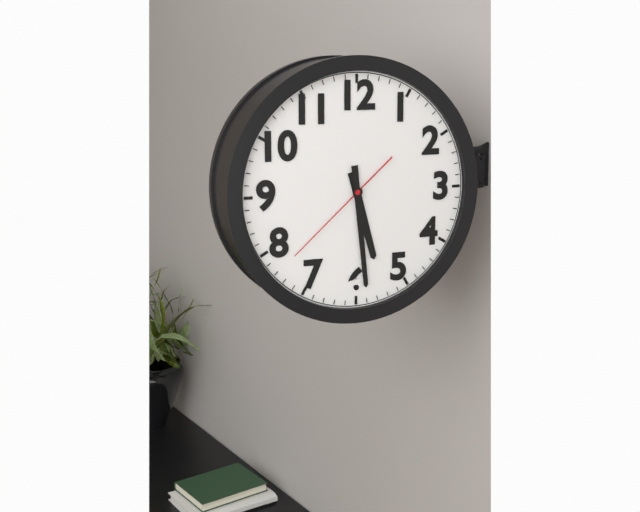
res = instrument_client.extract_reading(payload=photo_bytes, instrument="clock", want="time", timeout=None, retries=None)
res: 5:29:38
